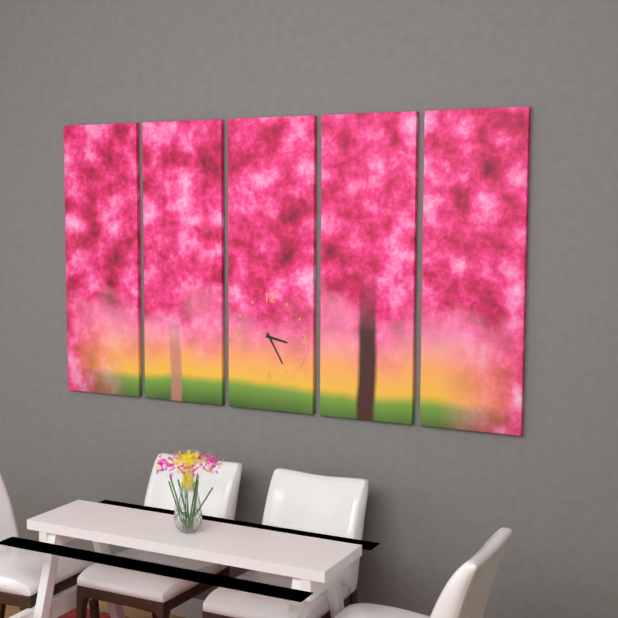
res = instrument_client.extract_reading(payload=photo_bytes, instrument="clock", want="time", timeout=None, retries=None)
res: 3:25
